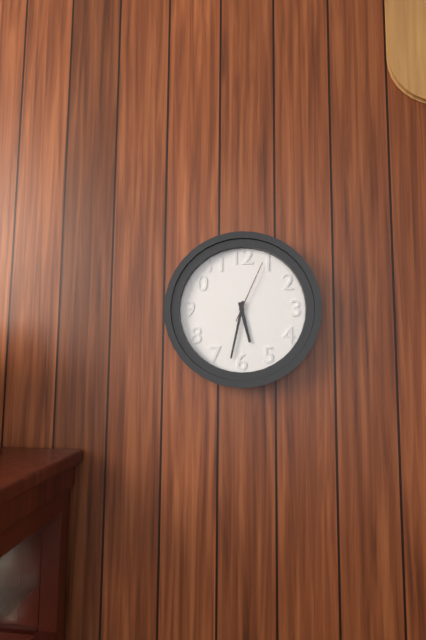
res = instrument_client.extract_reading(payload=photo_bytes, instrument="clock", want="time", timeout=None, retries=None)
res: 5:32:04
